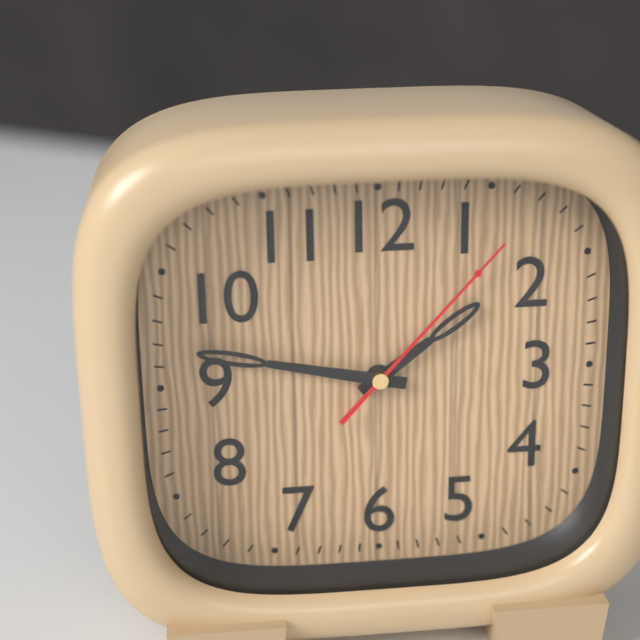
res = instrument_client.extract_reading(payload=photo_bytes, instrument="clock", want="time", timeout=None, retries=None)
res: 1:47:07
